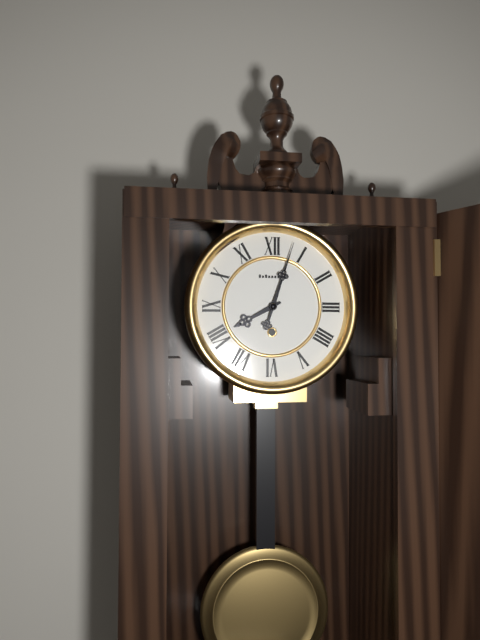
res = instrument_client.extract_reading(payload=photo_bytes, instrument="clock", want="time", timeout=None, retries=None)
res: 8:03
